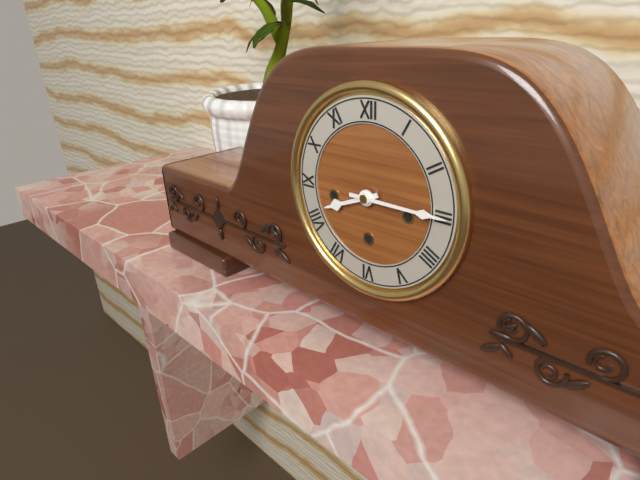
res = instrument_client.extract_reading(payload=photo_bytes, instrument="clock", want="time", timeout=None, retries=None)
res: 8:15
